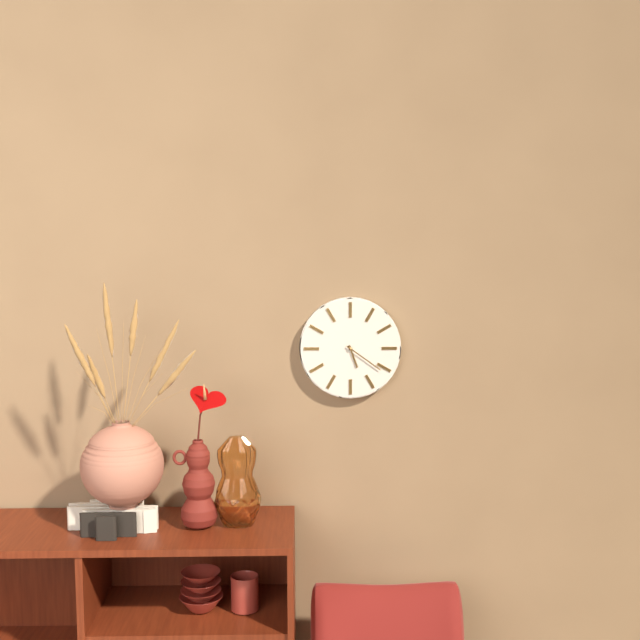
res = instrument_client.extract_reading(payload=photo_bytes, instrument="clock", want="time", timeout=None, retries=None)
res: 5:21
